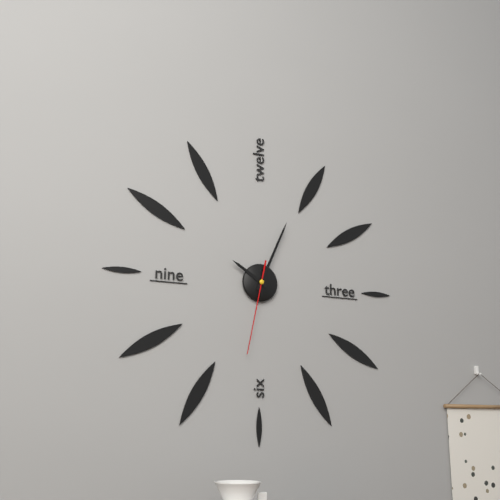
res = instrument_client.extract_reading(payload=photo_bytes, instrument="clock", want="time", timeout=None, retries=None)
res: 10:04:32
